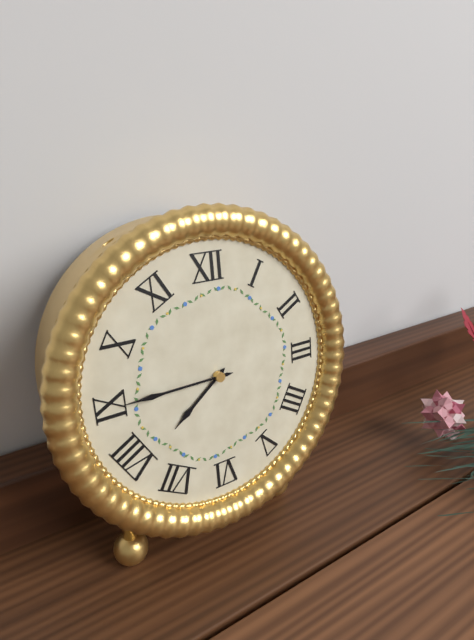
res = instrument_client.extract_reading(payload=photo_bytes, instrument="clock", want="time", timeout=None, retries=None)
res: 7:45
